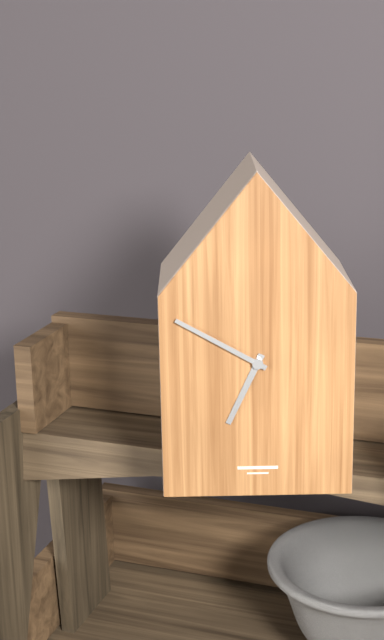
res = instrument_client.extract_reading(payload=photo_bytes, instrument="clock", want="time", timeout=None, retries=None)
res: 6:50
